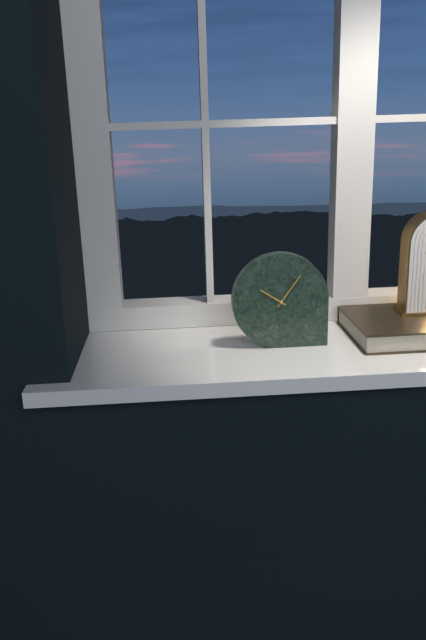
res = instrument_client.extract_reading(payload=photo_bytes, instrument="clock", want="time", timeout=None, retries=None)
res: 10:06
